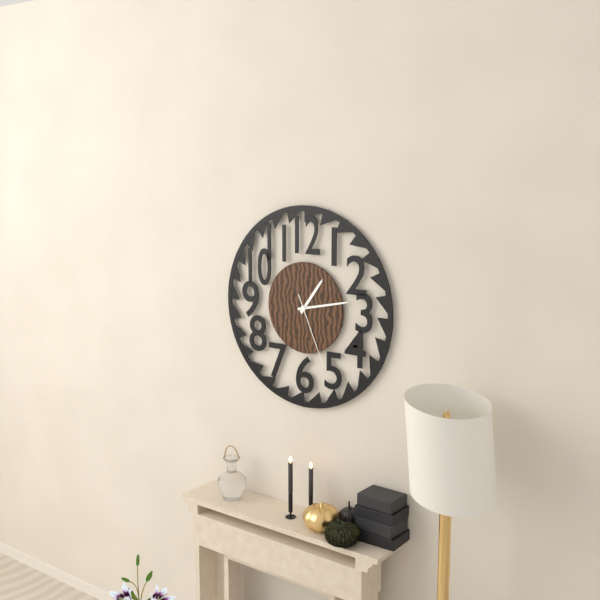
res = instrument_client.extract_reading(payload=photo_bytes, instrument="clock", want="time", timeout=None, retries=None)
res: 1:13:26
